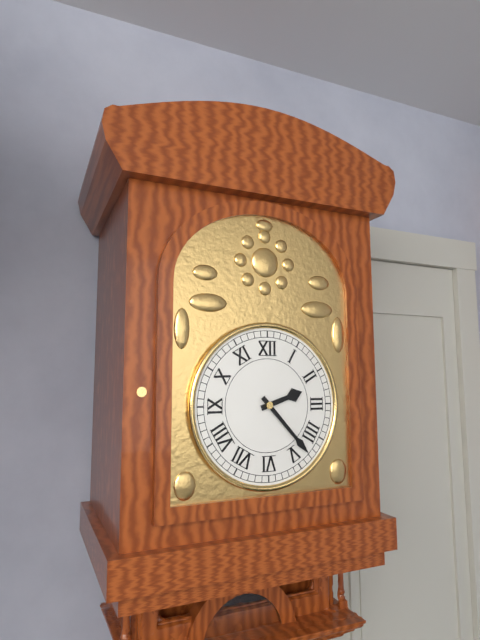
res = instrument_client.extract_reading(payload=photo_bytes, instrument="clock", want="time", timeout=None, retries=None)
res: 2:23
